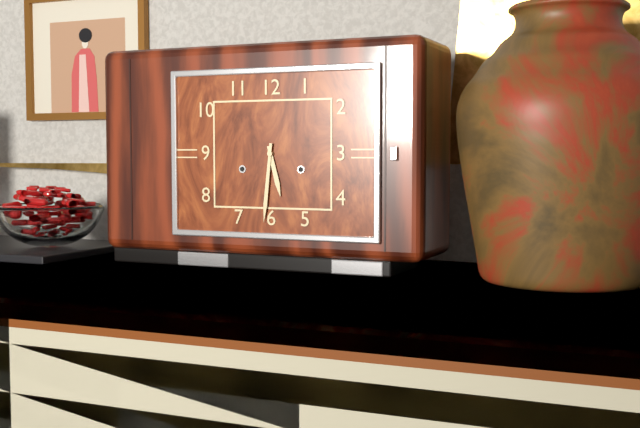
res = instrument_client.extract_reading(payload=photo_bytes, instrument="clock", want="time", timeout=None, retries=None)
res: 5:31
